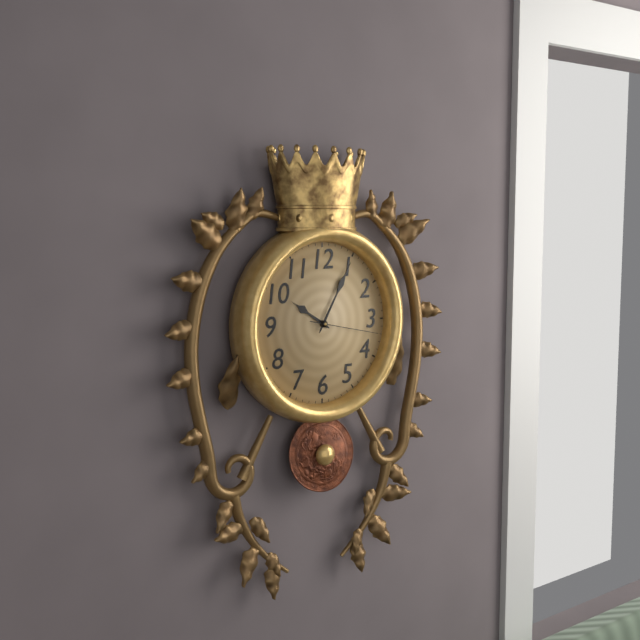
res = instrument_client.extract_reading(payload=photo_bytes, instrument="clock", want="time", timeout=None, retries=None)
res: 10:05:17
